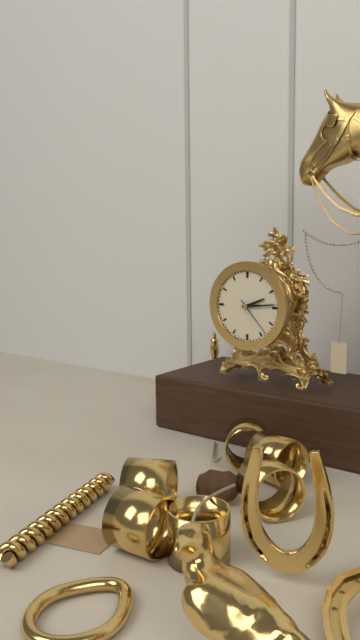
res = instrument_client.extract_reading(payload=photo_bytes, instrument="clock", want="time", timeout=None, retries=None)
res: 2:14
